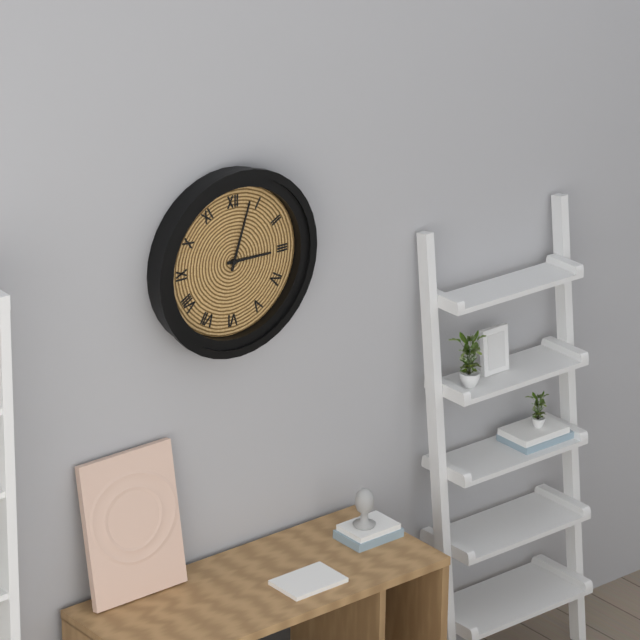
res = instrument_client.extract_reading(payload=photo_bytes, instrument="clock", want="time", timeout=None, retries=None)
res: 3:03
